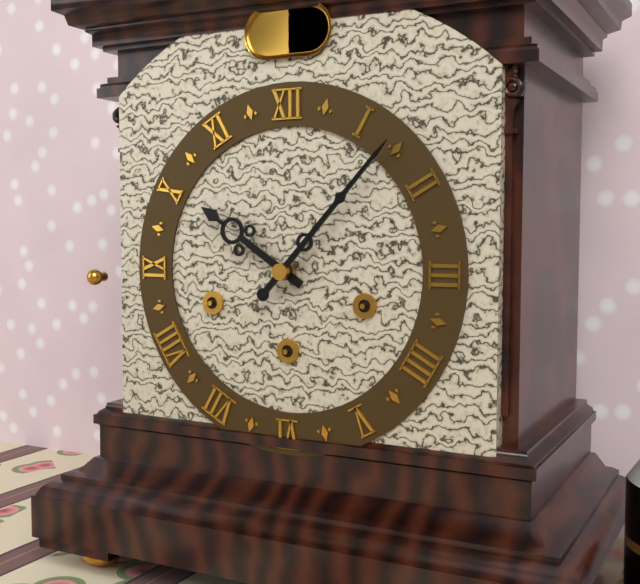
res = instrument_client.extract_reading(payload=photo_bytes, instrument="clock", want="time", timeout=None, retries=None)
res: 10:07
